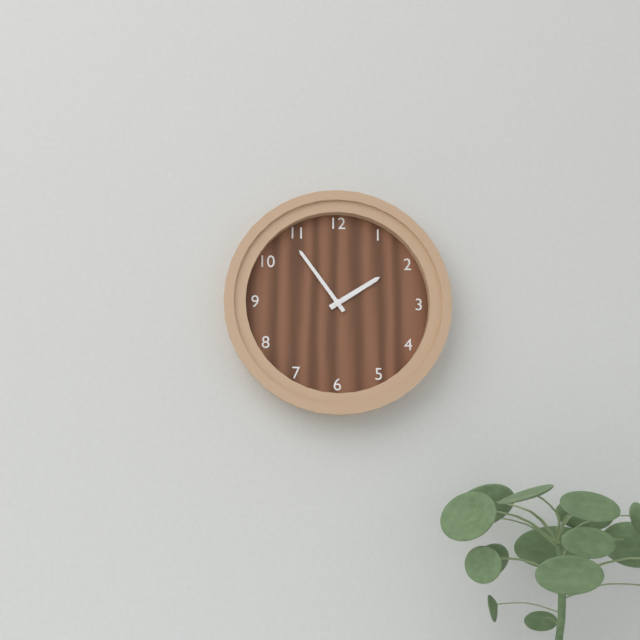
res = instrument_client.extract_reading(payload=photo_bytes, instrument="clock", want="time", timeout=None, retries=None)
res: 1:54
